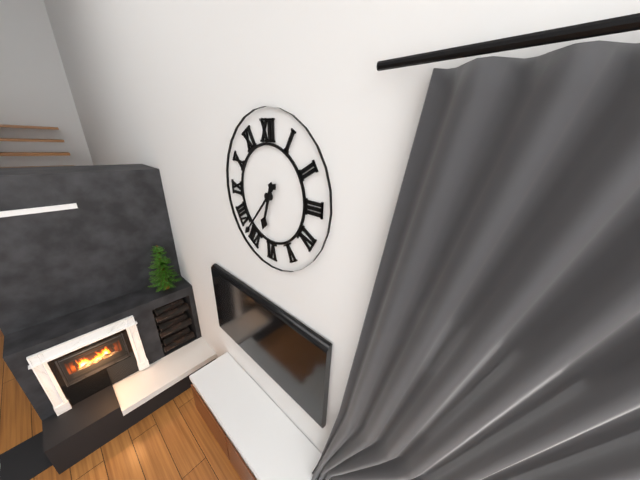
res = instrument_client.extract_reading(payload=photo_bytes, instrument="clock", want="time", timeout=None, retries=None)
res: 6:37
